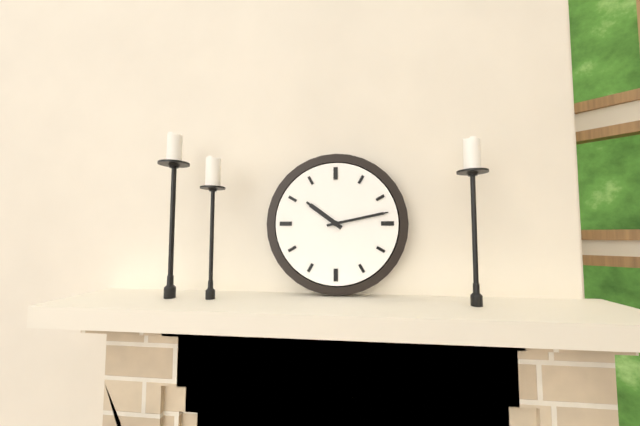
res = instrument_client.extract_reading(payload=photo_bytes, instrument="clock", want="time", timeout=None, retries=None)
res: 10:13
